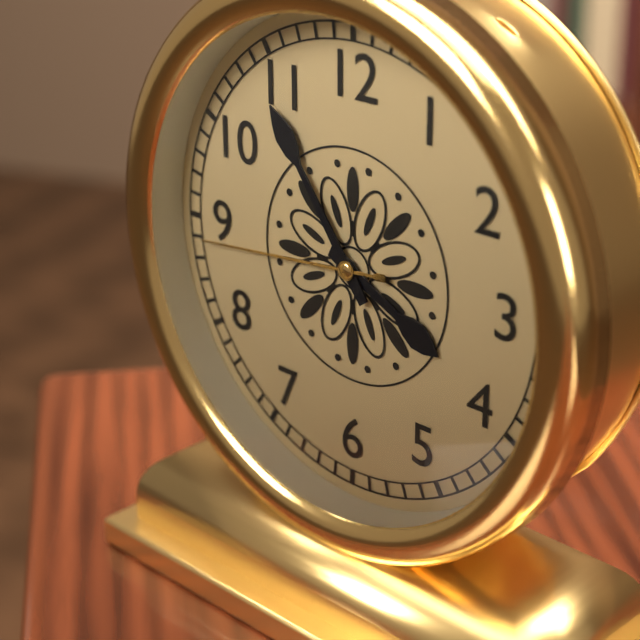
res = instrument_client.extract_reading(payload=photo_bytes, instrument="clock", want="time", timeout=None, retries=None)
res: 3:54:44
